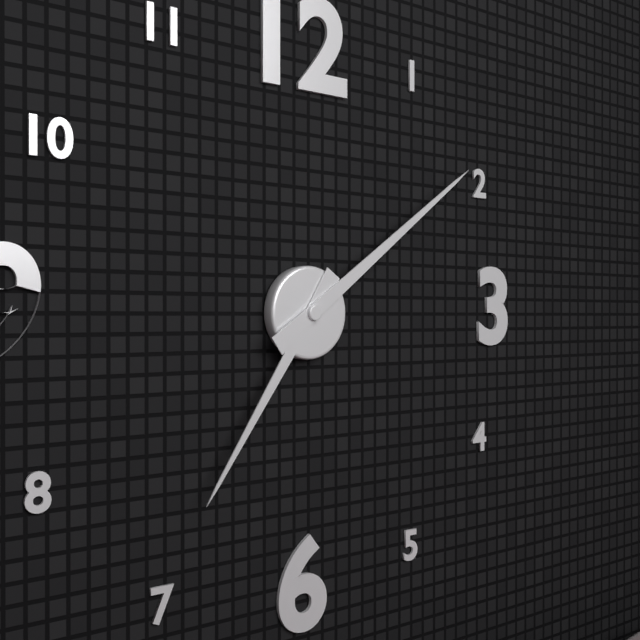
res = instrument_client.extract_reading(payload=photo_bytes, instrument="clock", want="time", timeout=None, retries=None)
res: 7:09
